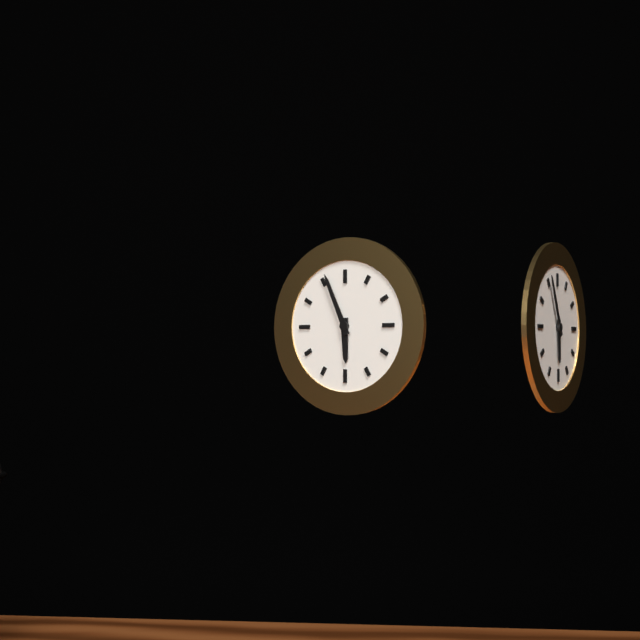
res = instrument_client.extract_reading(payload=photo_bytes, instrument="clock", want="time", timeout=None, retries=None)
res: 5:56
